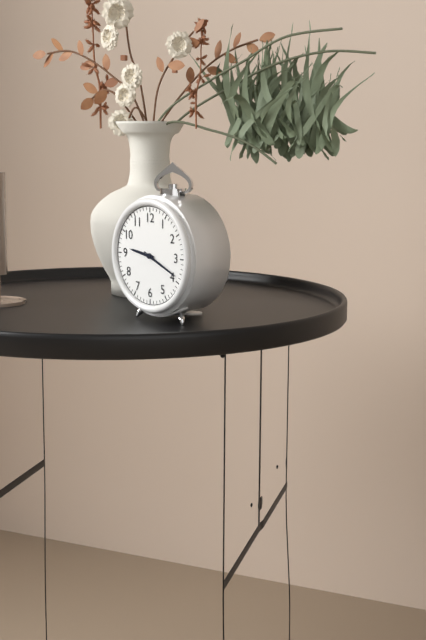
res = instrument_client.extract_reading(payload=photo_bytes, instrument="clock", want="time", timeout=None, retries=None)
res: 9:19
